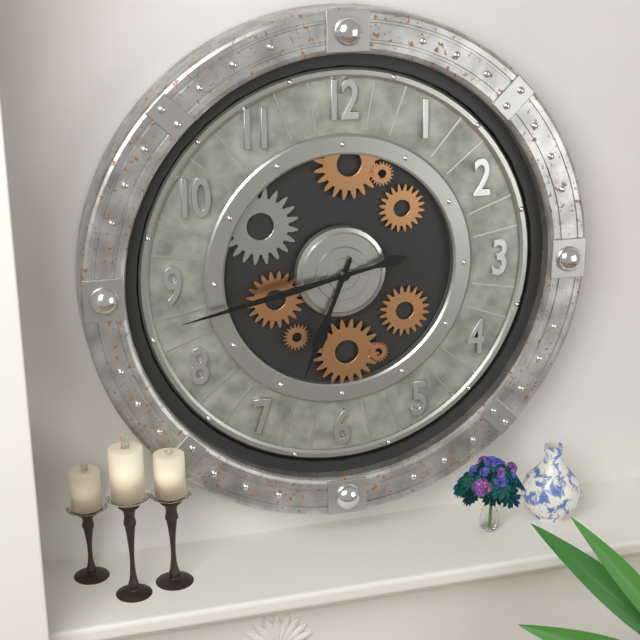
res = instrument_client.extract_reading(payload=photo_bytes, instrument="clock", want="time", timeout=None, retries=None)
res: 6:43
